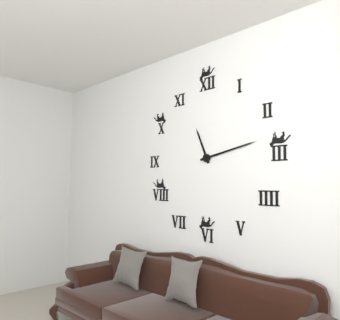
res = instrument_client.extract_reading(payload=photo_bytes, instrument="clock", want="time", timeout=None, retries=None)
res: 11:13
